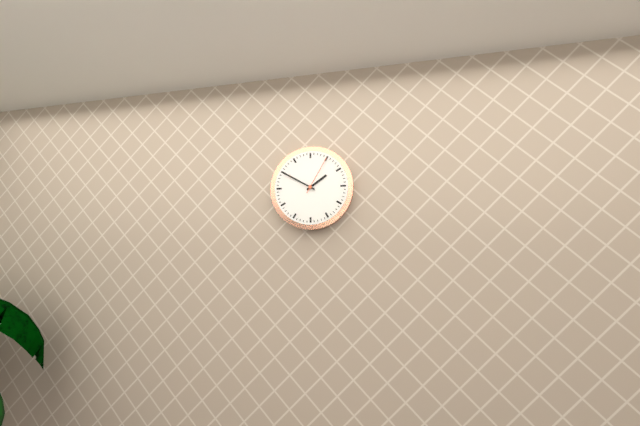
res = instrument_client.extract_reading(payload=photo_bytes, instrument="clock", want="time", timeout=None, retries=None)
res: 1:50
